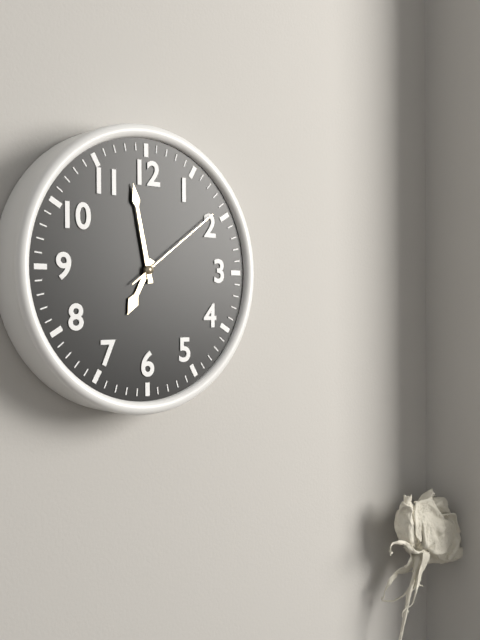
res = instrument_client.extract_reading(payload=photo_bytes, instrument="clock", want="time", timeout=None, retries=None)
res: 6:58:09
